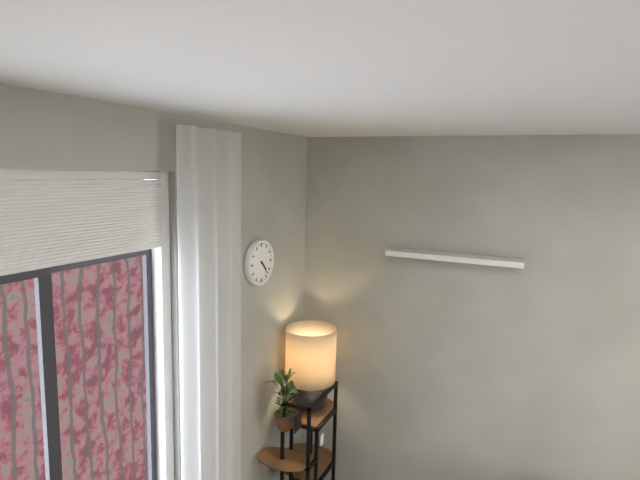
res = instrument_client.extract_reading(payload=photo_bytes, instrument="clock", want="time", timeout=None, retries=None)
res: 4:23
